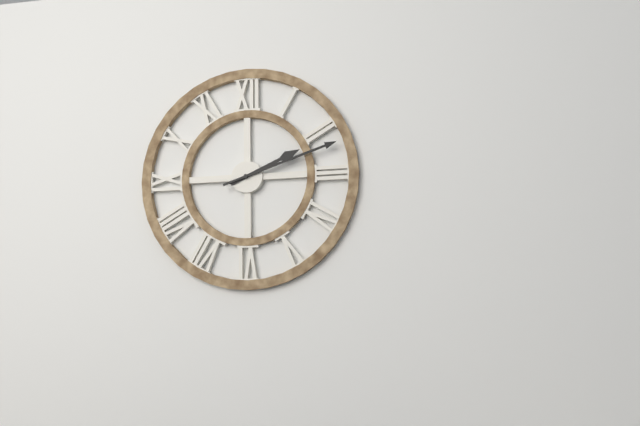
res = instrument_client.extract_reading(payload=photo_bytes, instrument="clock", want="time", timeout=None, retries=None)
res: 2:12
